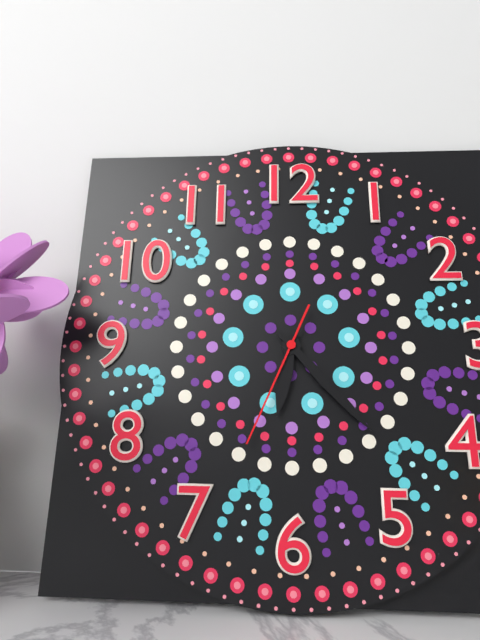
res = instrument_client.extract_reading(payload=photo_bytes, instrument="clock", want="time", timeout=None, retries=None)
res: 6:23:34
